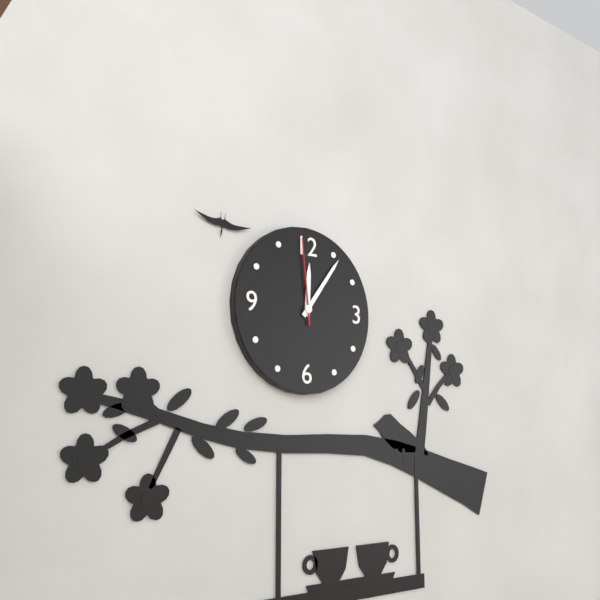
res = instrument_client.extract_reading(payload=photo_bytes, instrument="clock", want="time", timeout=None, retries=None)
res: 12:06:59
